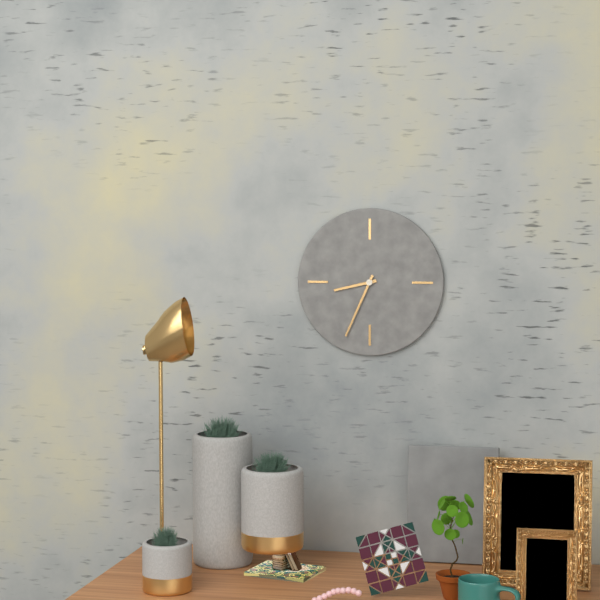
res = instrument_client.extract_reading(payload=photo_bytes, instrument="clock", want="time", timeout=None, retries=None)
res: 8:34
